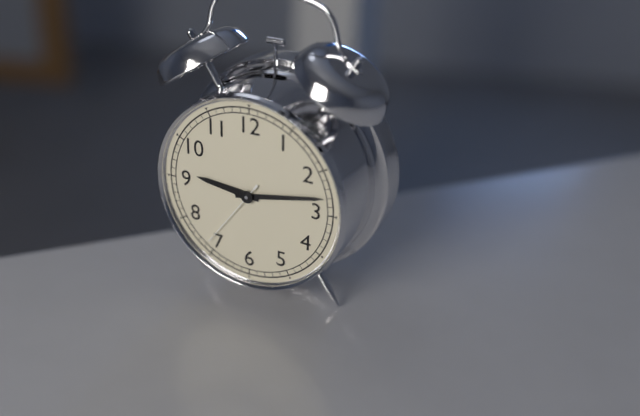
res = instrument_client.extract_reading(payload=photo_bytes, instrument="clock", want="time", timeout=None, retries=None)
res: 9:13:36
